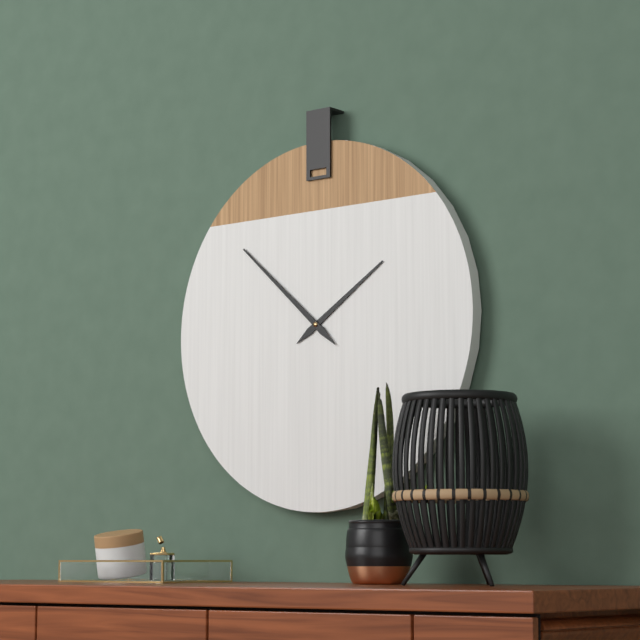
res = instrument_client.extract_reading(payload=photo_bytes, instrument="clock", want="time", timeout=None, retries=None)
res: 1:52
